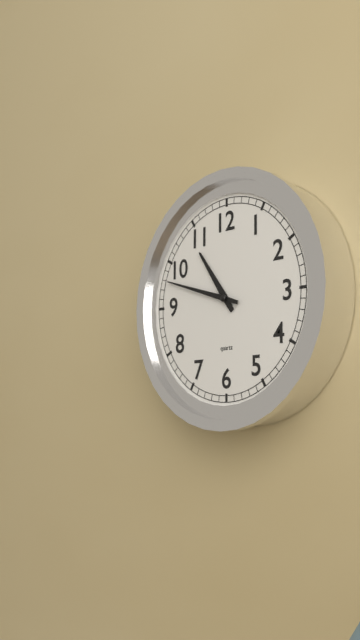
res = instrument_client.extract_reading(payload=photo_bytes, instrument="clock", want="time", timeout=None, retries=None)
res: 10:48
